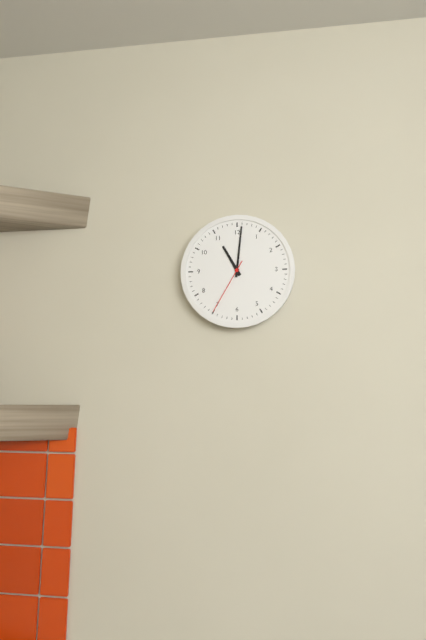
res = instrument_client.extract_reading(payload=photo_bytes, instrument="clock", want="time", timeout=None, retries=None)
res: 11:01:35
